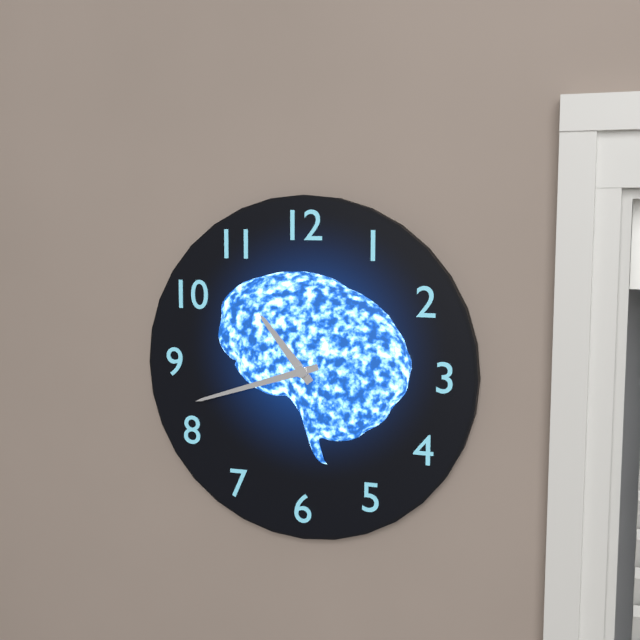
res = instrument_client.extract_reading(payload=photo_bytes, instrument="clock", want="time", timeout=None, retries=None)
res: 10:42
